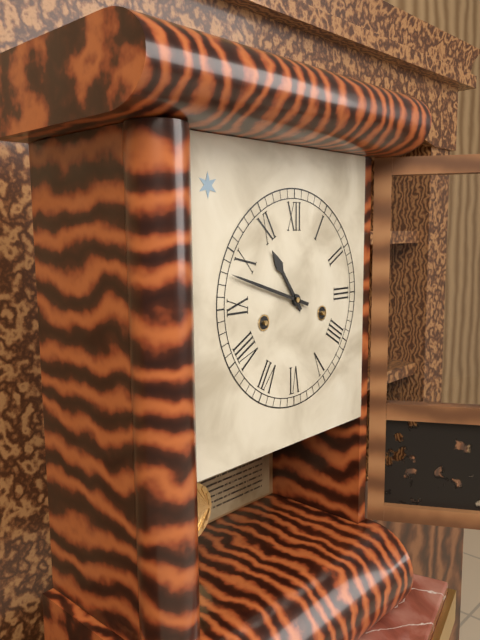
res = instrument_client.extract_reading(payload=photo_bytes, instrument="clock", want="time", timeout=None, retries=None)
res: 10:48
